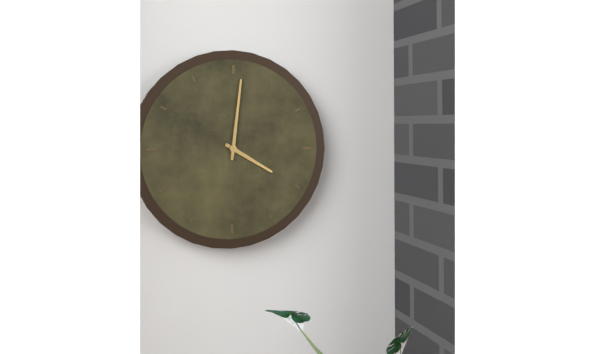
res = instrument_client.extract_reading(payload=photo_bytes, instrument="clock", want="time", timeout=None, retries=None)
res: 4:01
